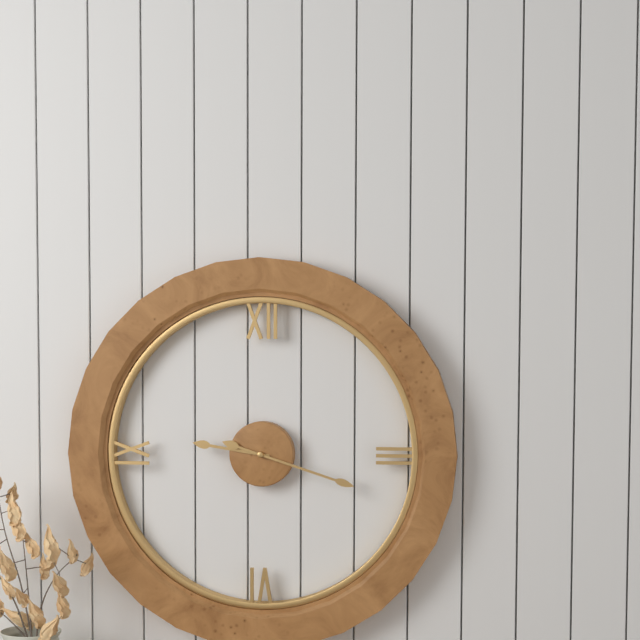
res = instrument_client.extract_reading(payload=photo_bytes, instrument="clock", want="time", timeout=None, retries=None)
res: 9:18
